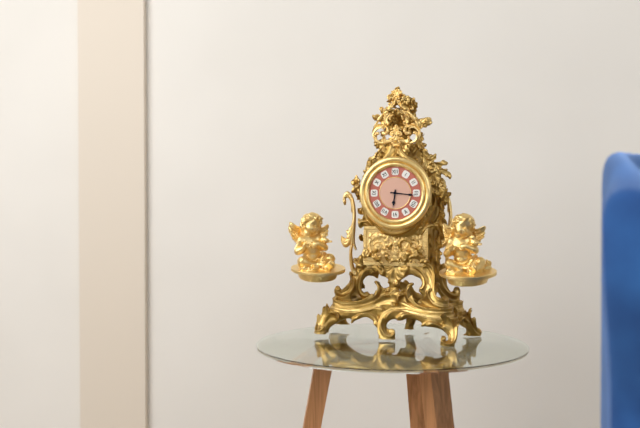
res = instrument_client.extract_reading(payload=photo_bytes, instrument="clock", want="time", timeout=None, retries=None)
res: 6:16
